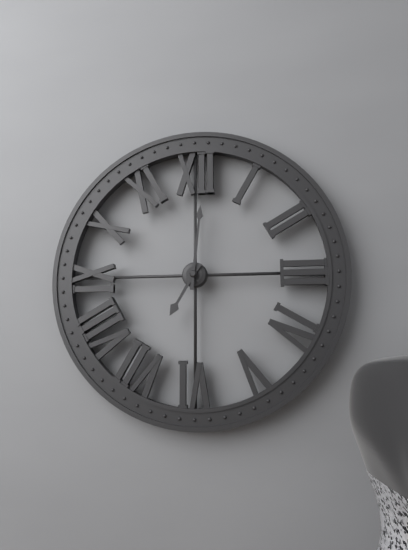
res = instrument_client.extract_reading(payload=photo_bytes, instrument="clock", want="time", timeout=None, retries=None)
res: 7:01
